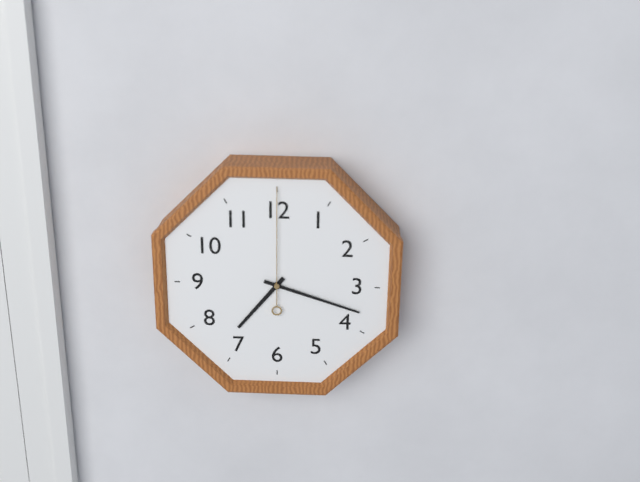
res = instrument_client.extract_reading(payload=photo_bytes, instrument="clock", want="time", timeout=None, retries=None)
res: 7:18:00
